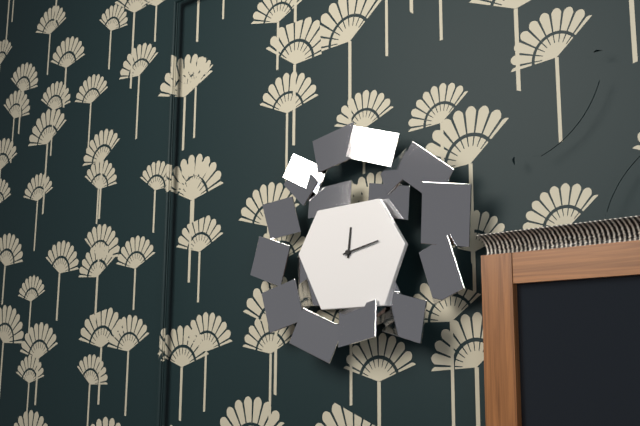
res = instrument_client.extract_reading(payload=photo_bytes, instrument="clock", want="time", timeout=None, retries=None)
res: 12:13
